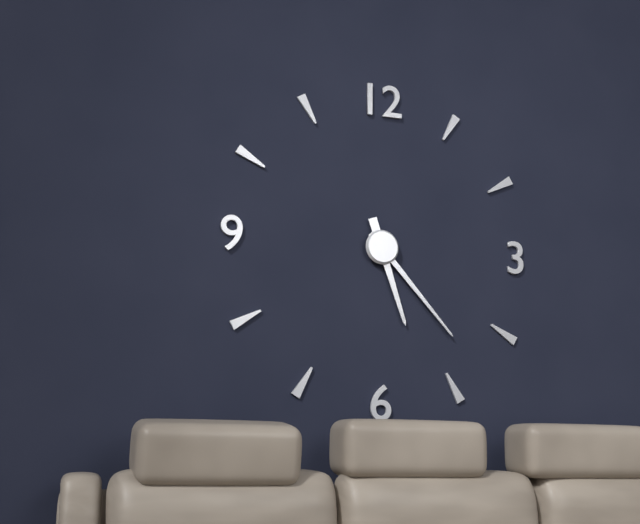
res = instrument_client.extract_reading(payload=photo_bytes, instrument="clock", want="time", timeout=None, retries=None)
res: 5:23
